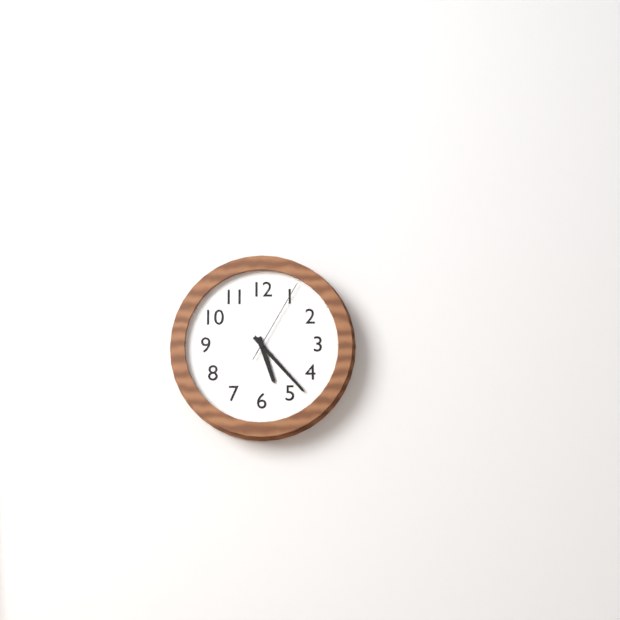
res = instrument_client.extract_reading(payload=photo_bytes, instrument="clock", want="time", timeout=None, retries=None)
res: 5:23:05
